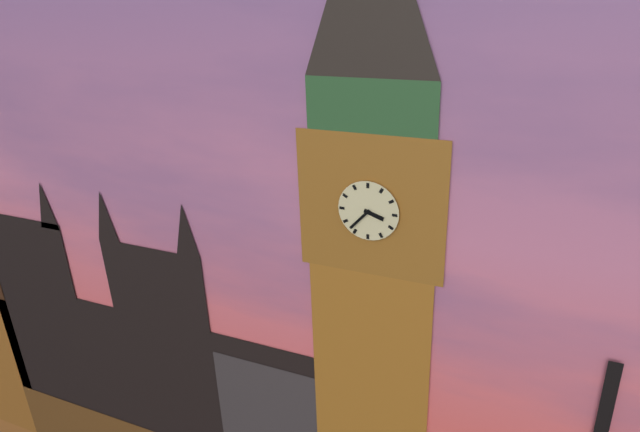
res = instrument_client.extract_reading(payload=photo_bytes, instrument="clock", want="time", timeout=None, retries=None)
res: 3:37
